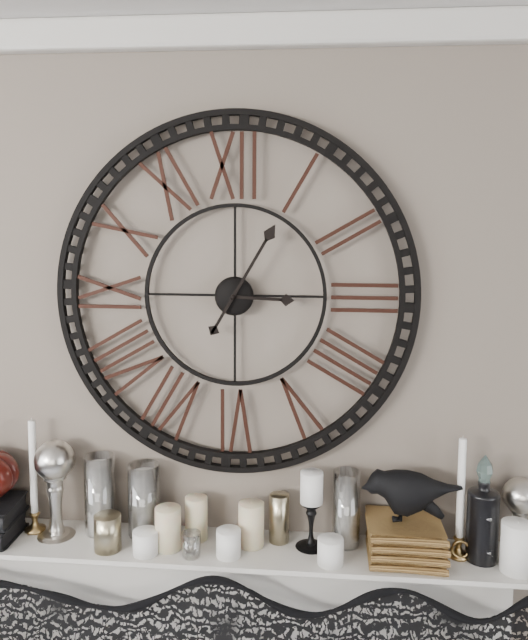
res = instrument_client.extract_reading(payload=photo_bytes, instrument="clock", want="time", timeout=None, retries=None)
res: 3:05
